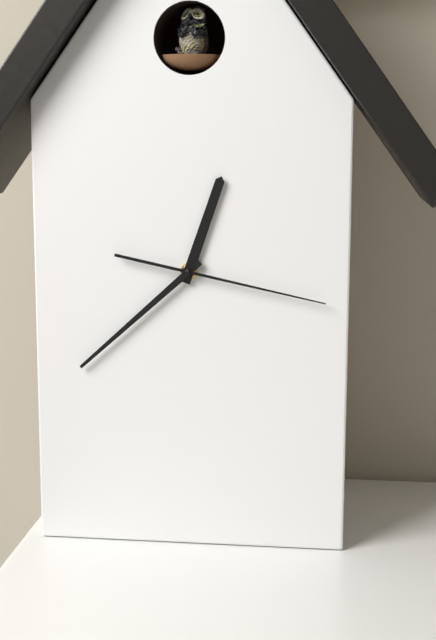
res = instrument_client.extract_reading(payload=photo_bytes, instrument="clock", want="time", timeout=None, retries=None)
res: 12:38:17
